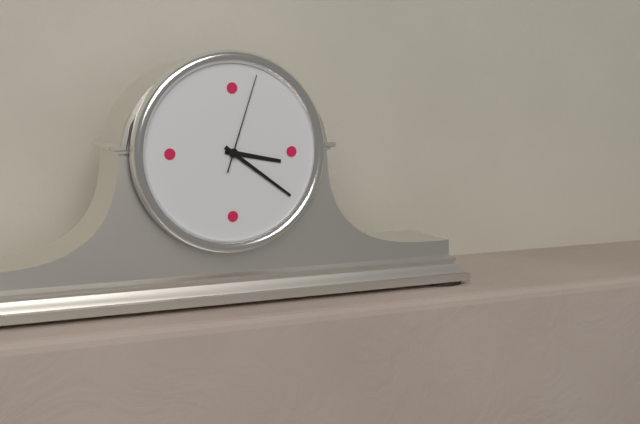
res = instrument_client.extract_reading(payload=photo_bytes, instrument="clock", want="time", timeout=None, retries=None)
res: 3:21:03
